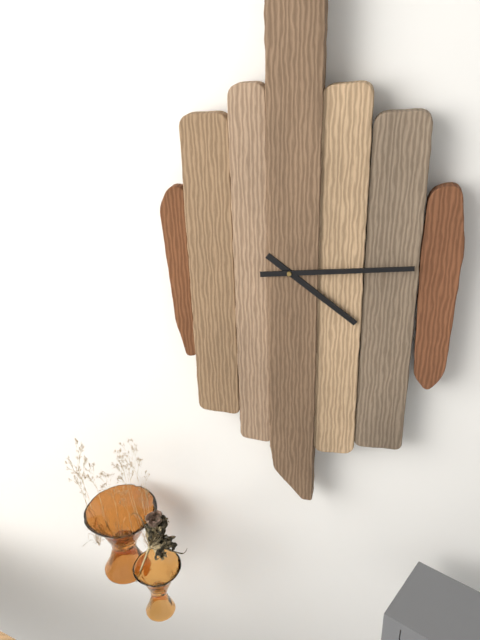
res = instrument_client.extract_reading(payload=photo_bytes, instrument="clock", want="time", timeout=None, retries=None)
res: 4:14
